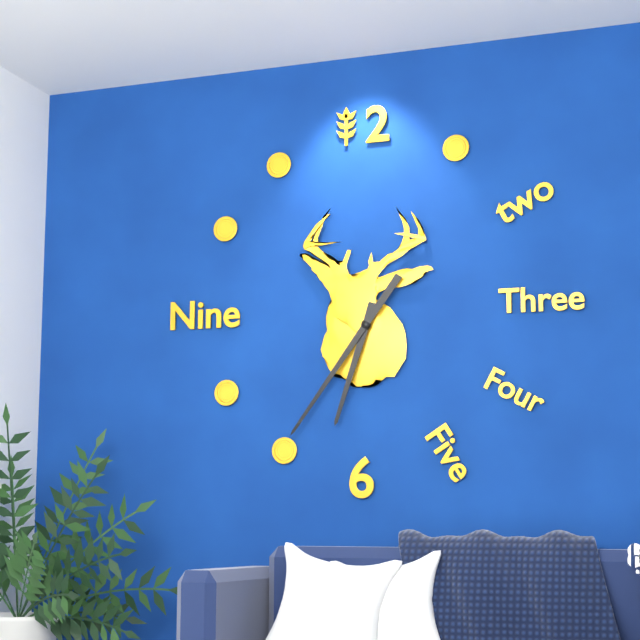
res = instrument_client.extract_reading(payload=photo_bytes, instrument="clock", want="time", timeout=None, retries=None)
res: 6:36
